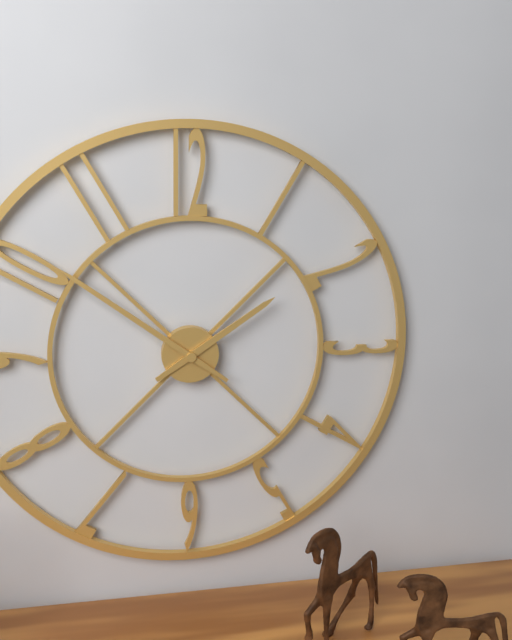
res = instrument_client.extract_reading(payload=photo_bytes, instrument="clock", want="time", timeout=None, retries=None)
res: 1:51
